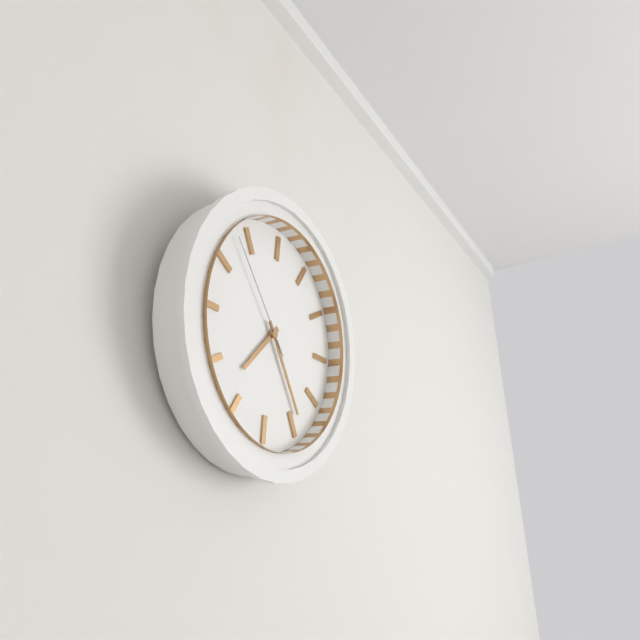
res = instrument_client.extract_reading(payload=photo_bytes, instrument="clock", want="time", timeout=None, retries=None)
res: 7:24:53
